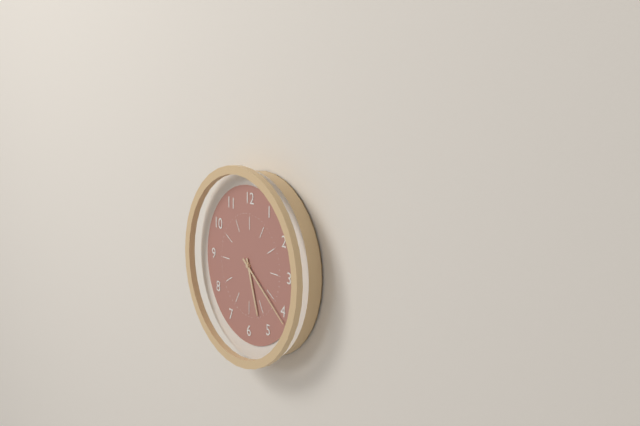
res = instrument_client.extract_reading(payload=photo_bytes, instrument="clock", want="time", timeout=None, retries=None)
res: 5:21
